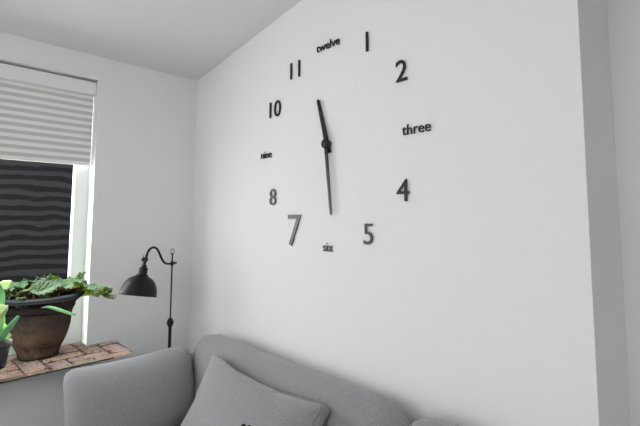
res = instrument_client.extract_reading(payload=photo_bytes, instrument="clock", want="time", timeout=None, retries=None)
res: 11:29
